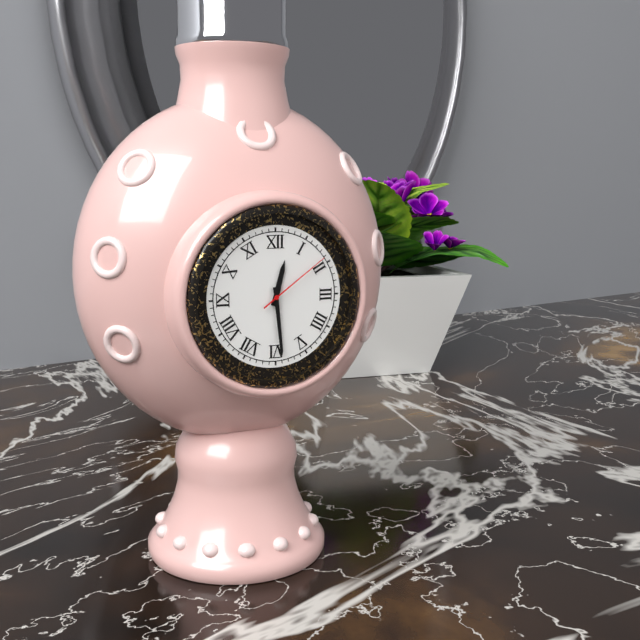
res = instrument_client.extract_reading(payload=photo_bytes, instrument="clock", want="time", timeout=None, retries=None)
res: 12:29:09
